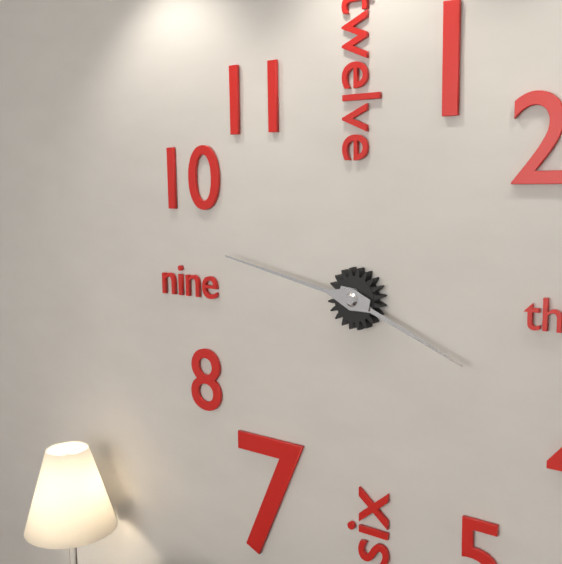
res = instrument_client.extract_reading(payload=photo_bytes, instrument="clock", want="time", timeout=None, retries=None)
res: 3:47
